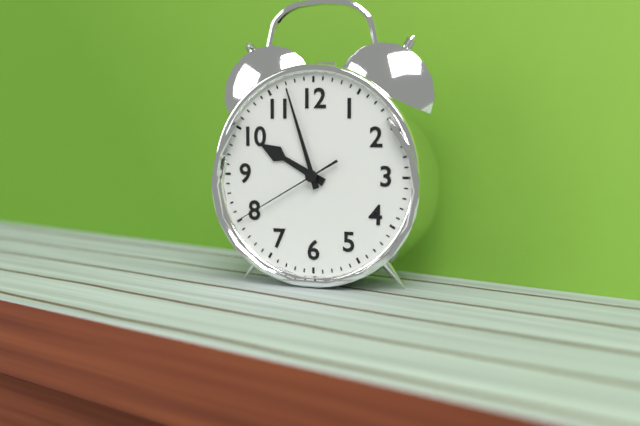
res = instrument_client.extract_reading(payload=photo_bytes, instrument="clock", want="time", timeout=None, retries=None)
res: 9:57:40
